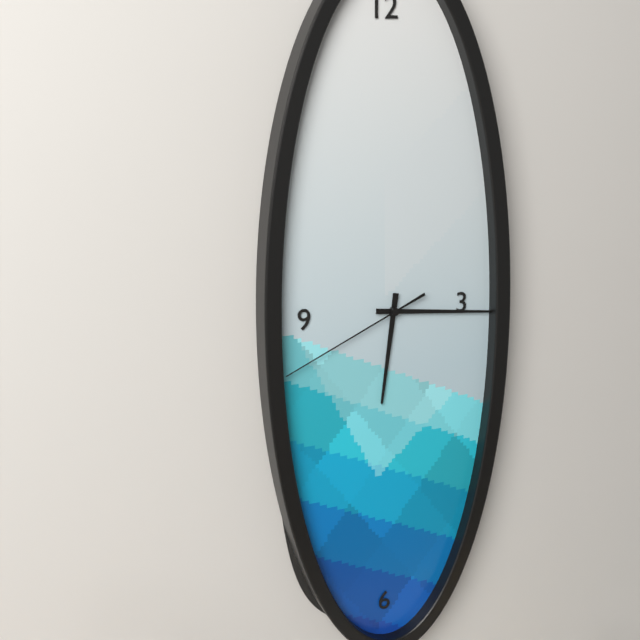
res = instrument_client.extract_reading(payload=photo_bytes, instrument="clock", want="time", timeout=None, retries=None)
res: 6:16:41
